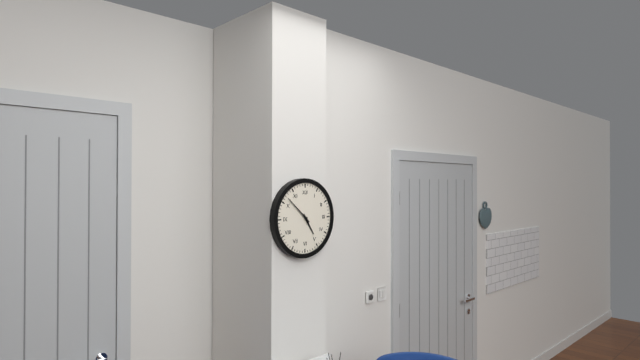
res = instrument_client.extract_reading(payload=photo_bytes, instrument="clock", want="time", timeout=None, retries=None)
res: 4:52
